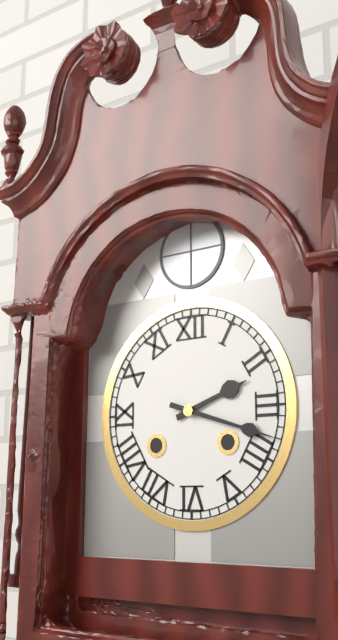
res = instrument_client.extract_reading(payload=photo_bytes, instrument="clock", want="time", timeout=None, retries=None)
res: 2:18
